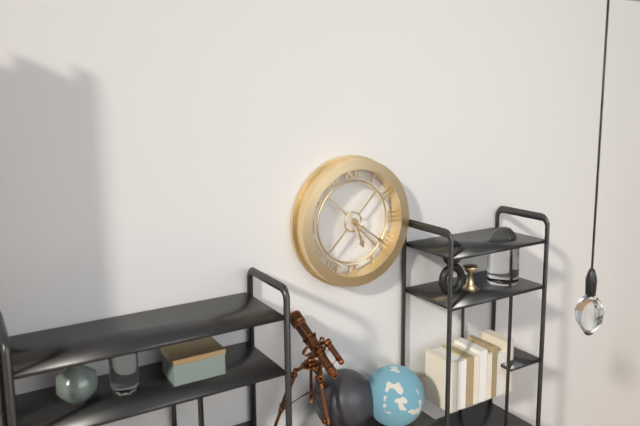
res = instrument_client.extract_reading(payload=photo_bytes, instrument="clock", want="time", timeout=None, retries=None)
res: 5:21
